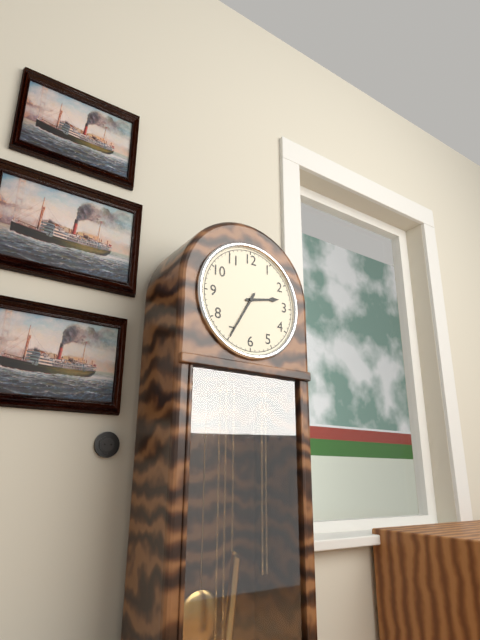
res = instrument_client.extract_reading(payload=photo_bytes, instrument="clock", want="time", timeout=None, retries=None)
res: 2:35
